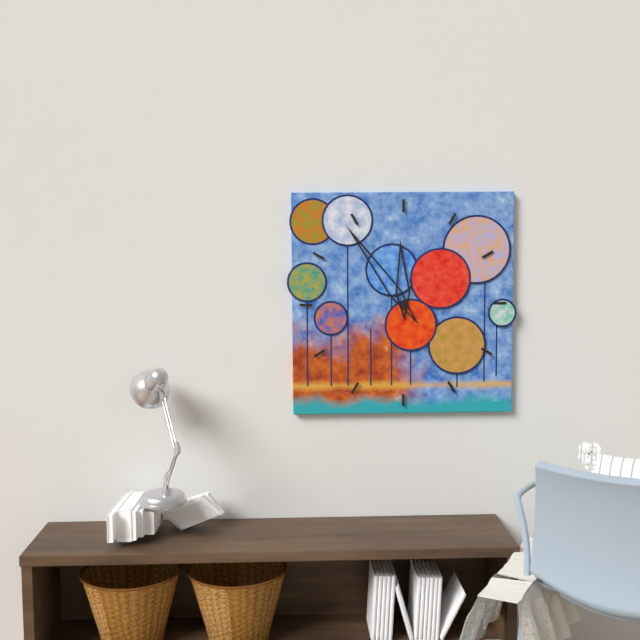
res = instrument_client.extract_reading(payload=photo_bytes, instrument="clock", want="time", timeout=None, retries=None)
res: 11:54
